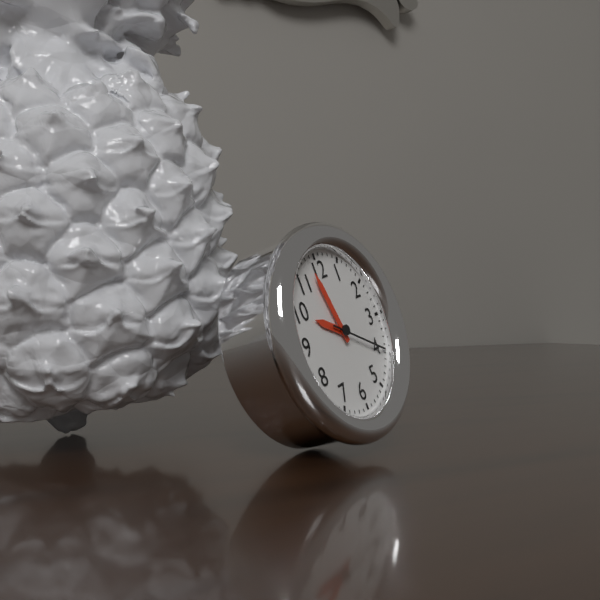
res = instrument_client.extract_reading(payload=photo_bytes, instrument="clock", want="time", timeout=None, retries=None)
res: 9:58:20
